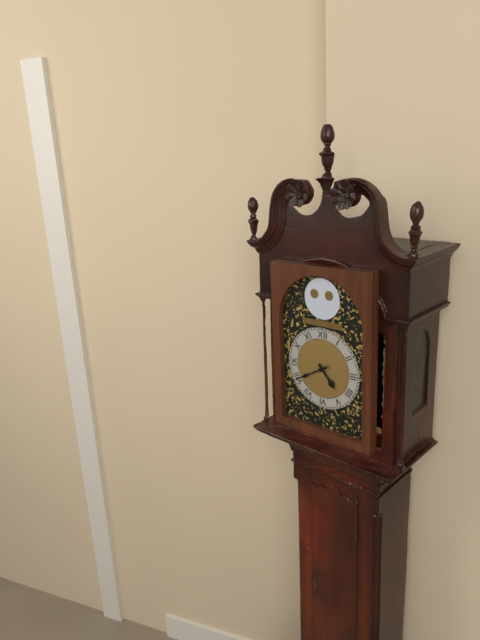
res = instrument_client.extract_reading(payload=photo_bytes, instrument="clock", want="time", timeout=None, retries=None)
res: 4:40
